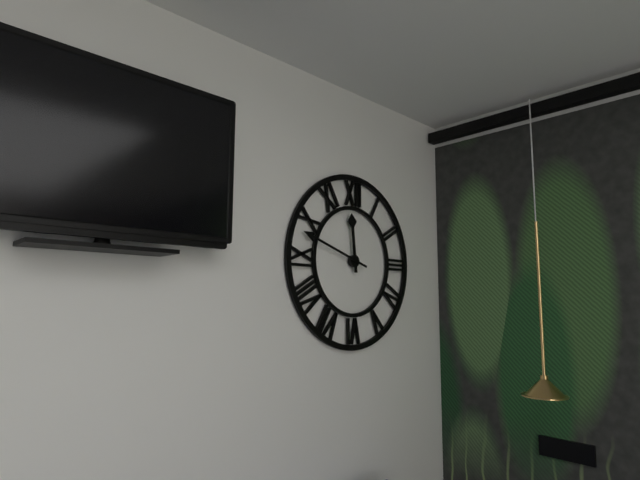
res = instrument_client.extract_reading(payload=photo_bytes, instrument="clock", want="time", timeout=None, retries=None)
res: 11:48
